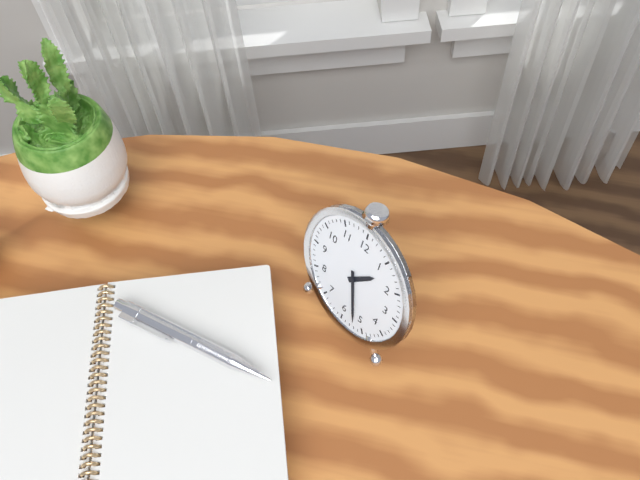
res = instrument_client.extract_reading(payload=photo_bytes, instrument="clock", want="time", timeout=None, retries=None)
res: 1:27
